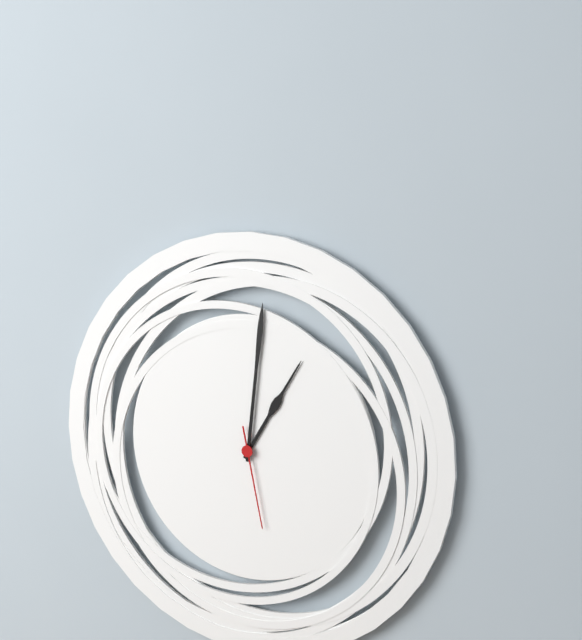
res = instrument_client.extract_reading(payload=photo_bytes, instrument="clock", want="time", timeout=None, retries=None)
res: 1:01:28
